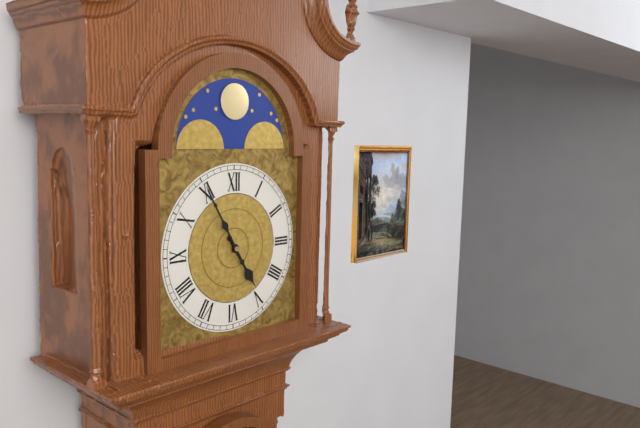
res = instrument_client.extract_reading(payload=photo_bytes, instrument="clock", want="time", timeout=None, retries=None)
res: 4:55
